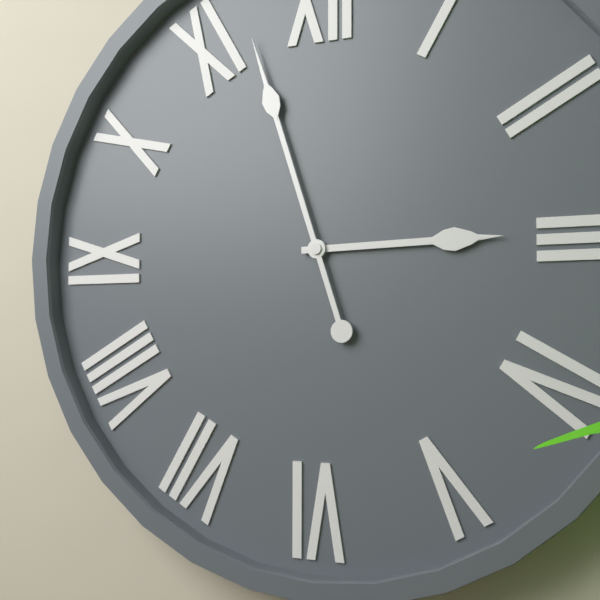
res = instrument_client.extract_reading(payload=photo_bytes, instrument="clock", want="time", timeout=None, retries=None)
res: 2:57
